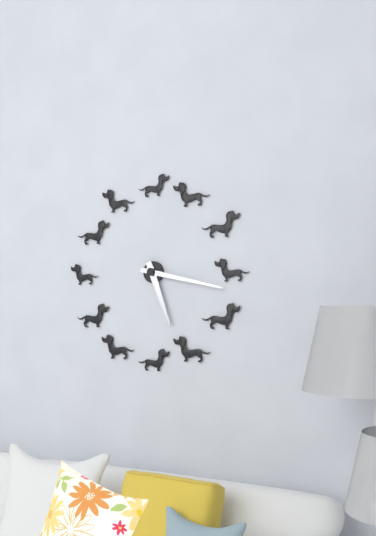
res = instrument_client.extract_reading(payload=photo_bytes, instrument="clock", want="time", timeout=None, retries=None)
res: 5:17
